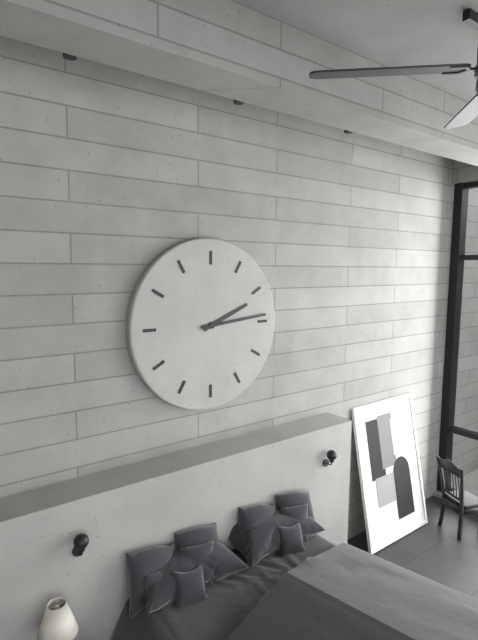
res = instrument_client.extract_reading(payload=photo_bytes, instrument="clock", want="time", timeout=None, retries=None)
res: 2:14
